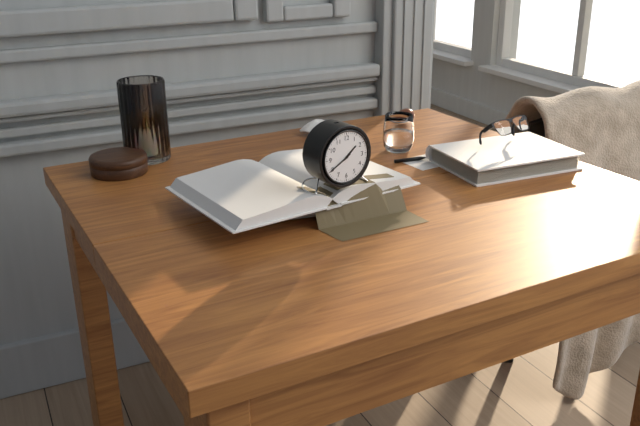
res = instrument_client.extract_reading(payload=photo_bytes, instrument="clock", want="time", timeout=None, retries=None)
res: 1:40
